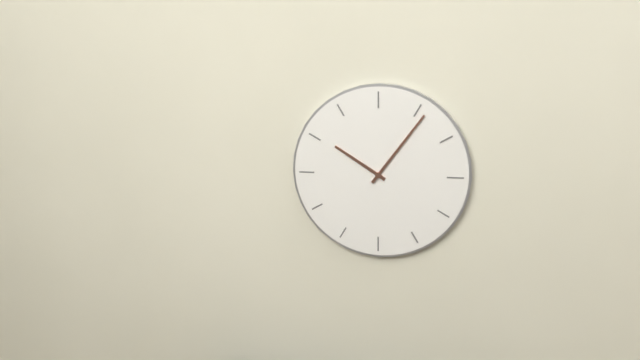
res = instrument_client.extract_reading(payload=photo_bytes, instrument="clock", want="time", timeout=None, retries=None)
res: 10:06
